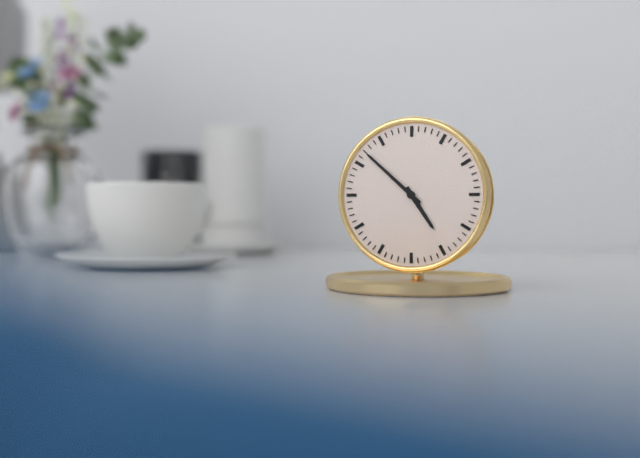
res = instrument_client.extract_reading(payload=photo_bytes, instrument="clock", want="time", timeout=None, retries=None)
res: 4:52
